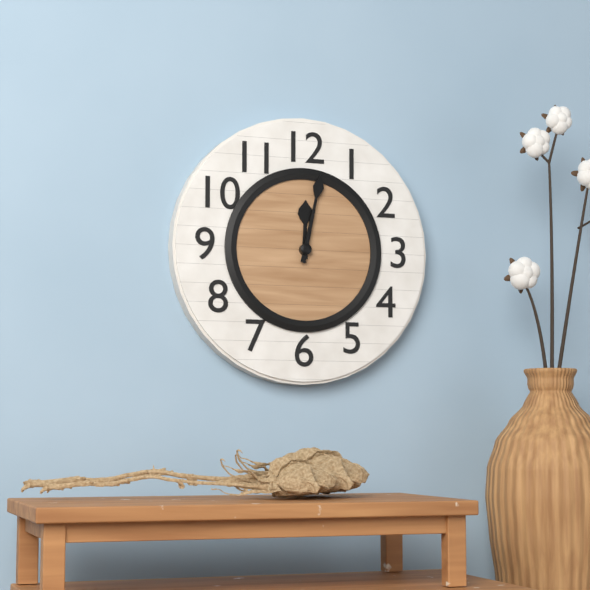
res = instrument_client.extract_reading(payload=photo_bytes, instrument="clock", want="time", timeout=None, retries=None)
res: 12:02
